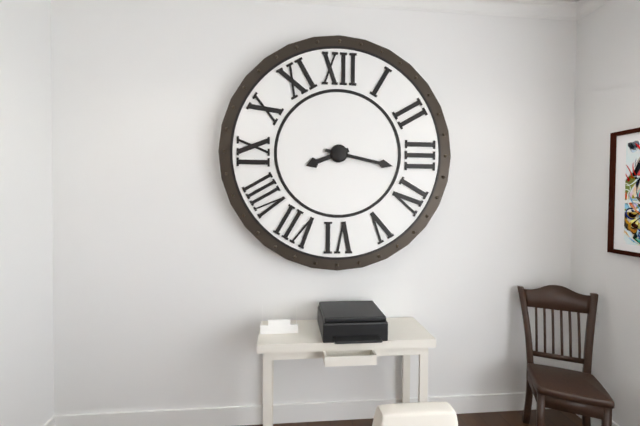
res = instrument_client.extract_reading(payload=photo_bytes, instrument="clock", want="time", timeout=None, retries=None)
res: 8:17
